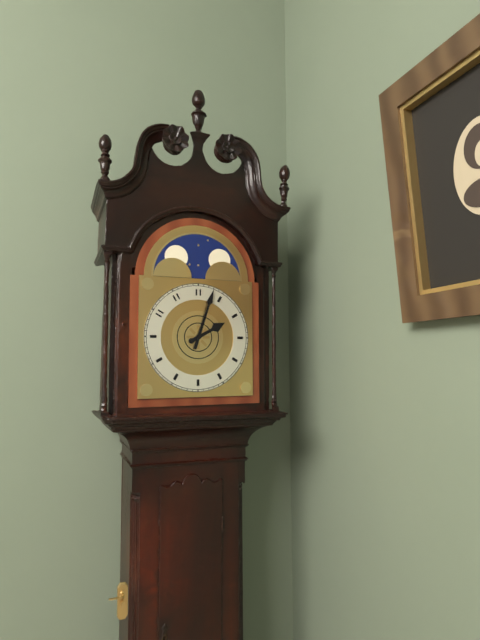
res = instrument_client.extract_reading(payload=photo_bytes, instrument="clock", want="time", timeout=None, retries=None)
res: 2:03
